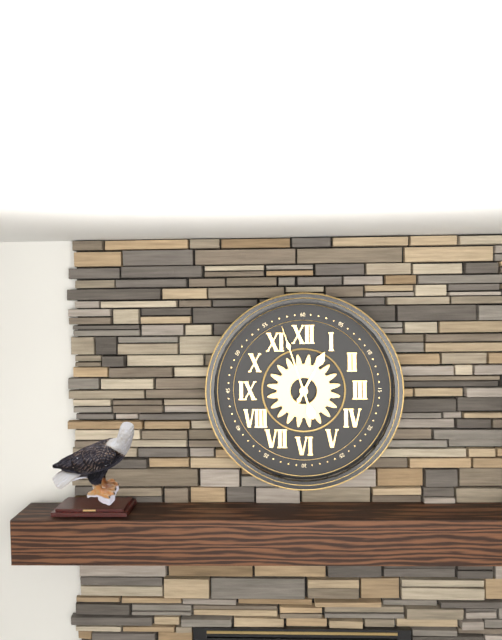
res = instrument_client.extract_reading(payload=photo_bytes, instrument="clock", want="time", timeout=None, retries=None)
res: 12:57
